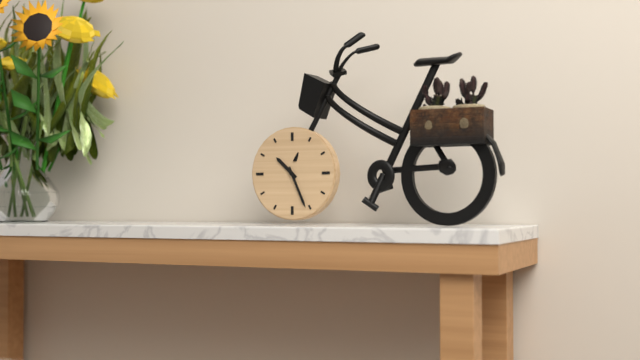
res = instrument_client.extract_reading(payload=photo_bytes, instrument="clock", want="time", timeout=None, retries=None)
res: 10:26
